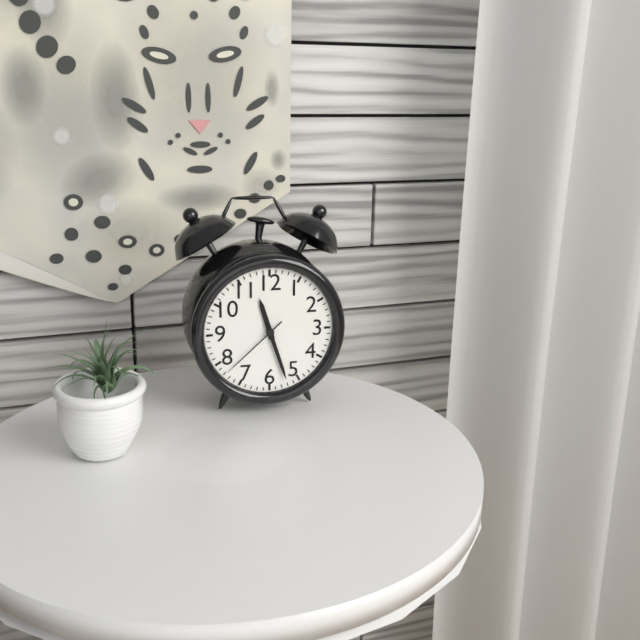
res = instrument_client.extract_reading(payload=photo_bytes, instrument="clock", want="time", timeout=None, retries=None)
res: 11:27:38
